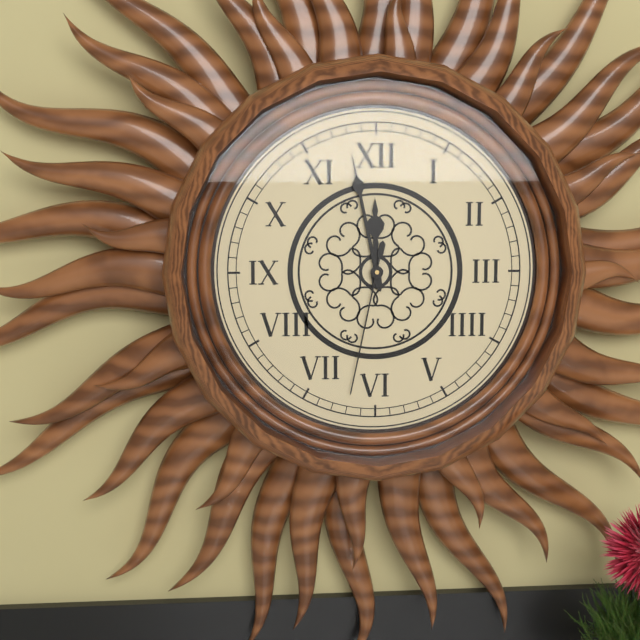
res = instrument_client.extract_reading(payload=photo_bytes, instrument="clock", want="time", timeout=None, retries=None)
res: 11:58:32
